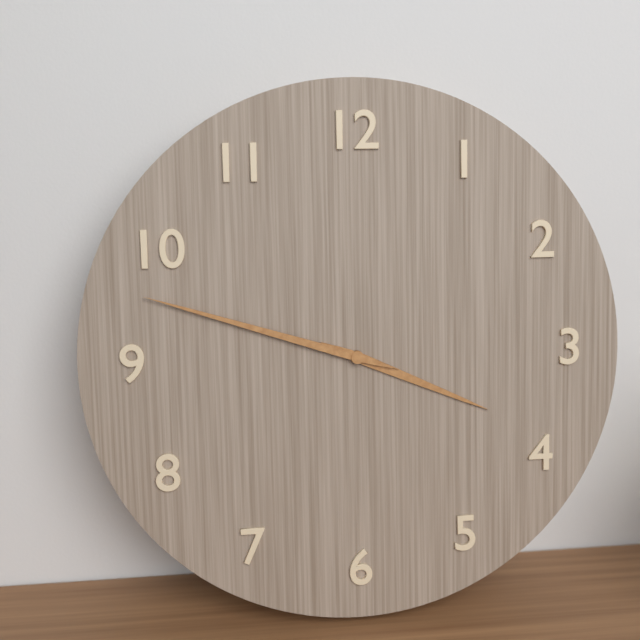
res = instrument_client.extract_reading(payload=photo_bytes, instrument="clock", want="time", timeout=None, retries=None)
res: 3:48
